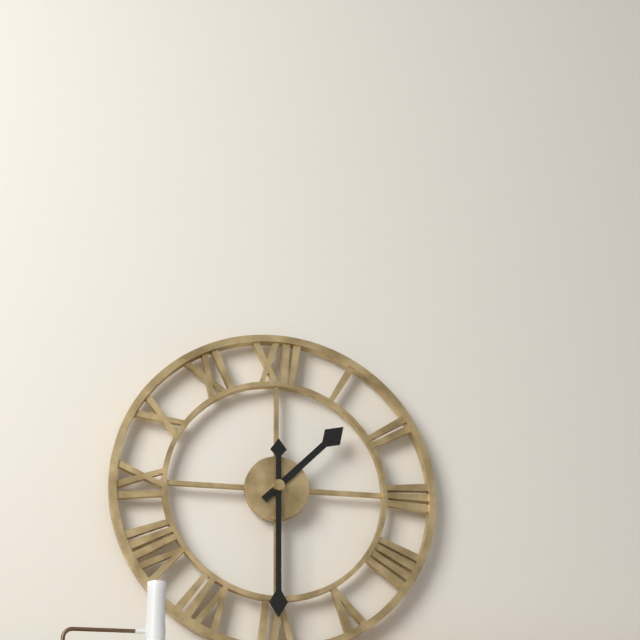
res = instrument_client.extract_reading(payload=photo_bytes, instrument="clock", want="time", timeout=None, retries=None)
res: 1:30
